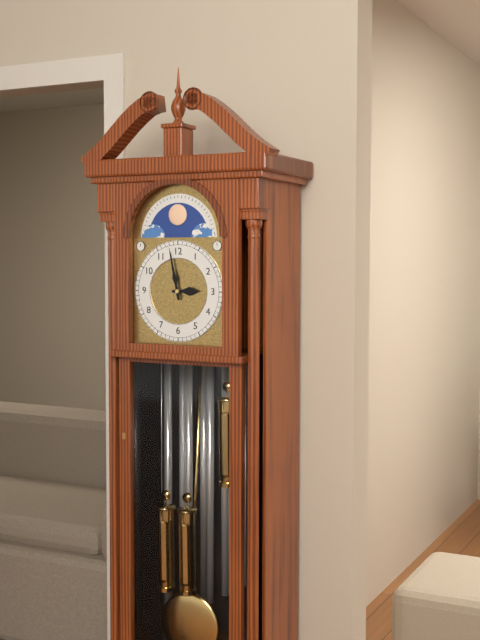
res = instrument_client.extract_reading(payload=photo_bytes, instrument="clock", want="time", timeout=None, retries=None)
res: 2:58
